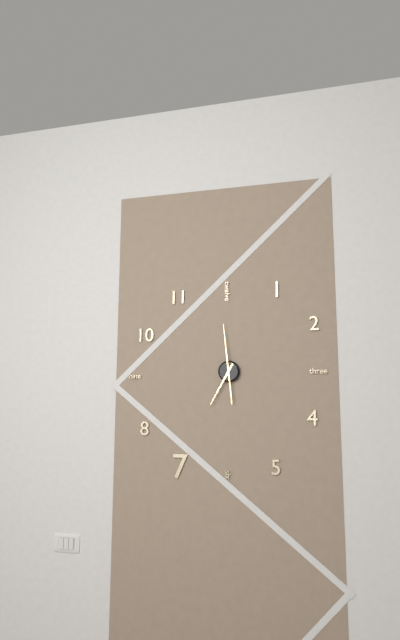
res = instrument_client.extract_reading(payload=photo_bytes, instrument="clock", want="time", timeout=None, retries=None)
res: 6:59
